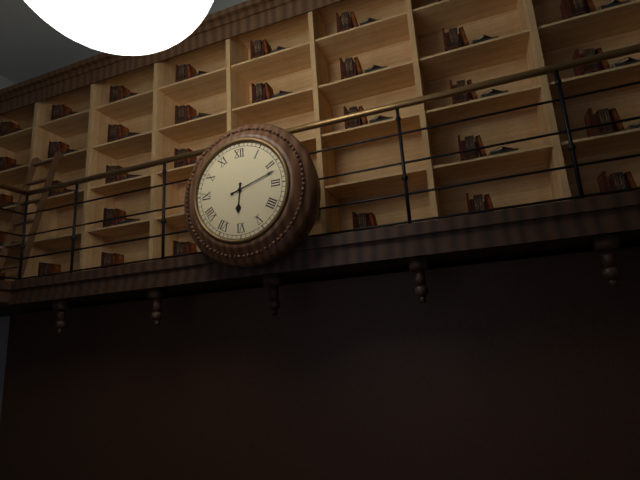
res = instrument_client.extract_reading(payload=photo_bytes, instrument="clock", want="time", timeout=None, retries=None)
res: 6:12
